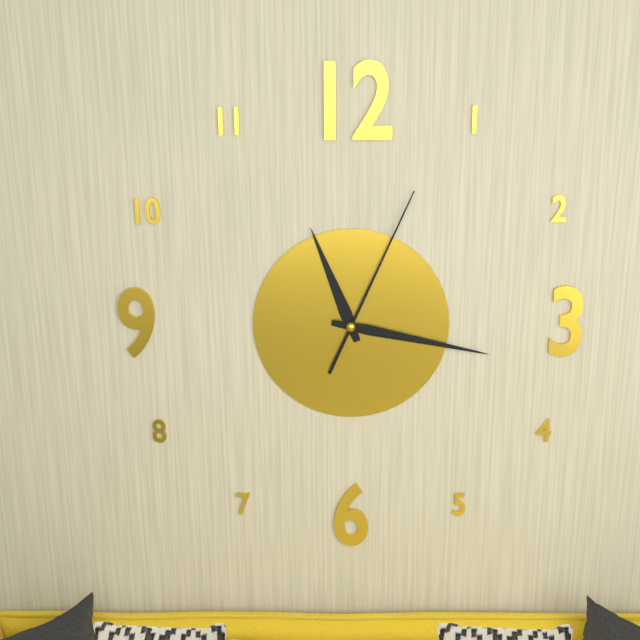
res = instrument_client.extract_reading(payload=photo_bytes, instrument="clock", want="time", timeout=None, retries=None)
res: 11:17:04
